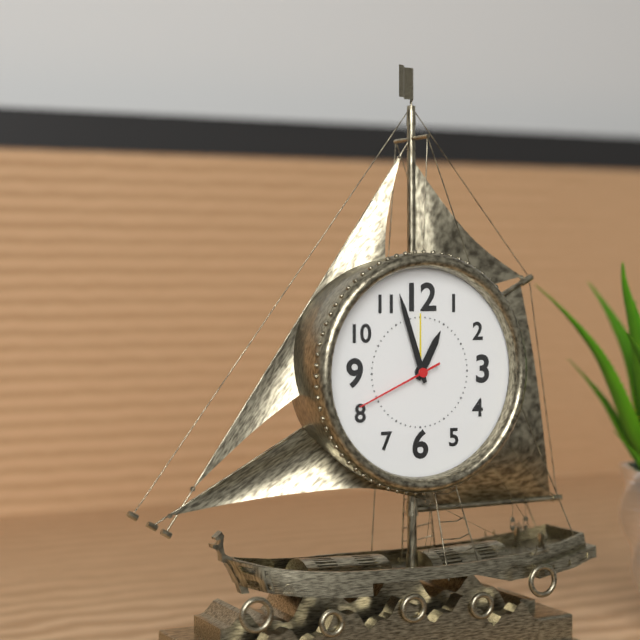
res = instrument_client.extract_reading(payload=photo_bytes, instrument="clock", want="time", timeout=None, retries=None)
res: 12:57:41
